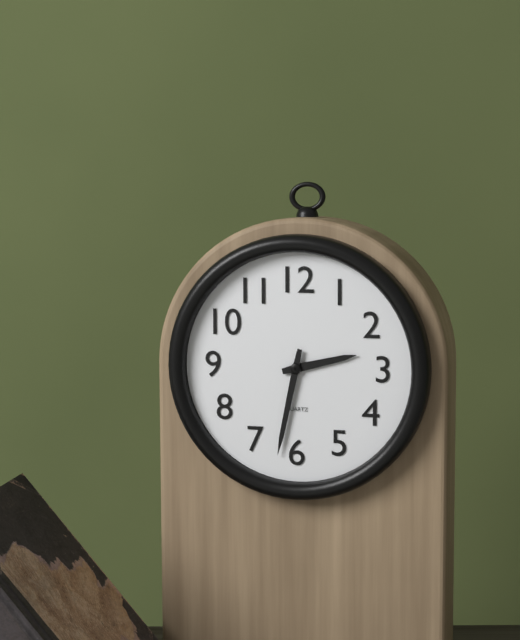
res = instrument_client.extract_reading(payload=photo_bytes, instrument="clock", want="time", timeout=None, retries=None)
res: 2:32
